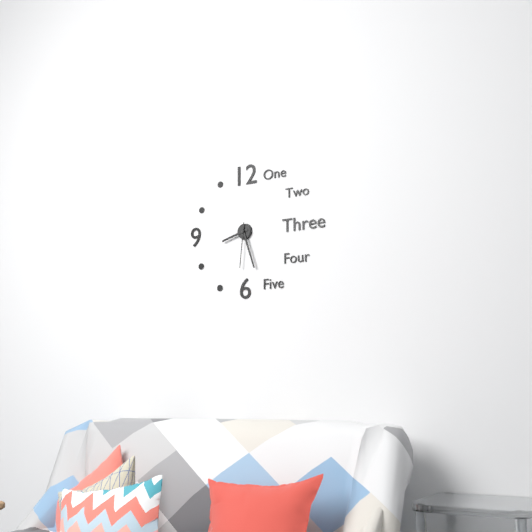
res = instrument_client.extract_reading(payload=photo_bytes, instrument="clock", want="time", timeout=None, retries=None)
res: 8:27
